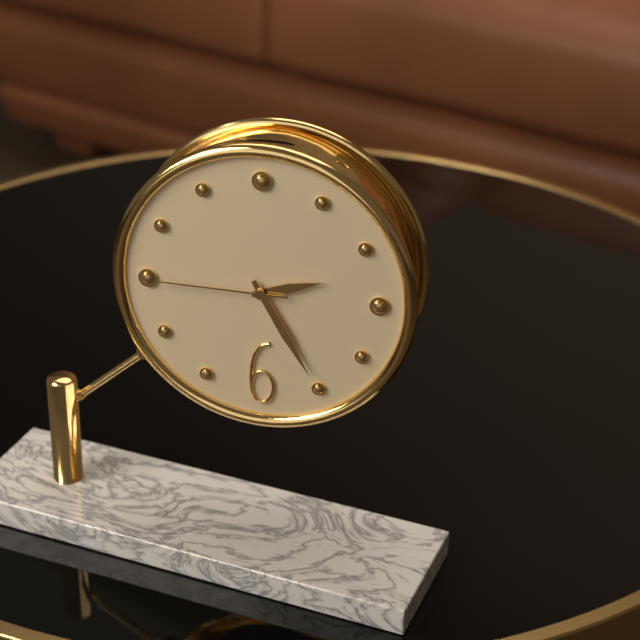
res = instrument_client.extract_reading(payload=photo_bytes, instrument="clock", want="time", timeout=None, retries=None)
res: 2:25:45
